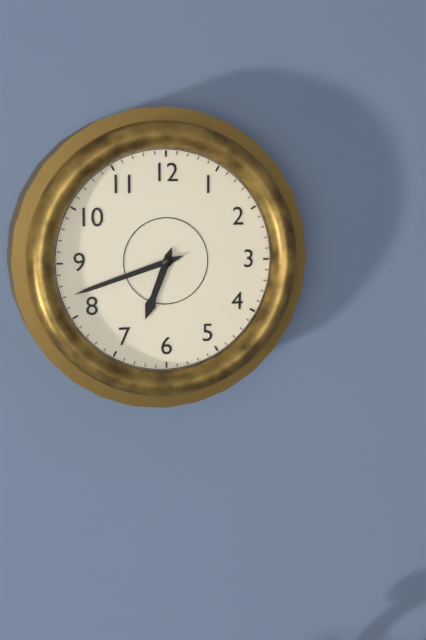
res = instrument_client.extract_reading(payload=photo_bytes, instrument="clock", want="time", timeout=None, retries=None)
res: 6:42
